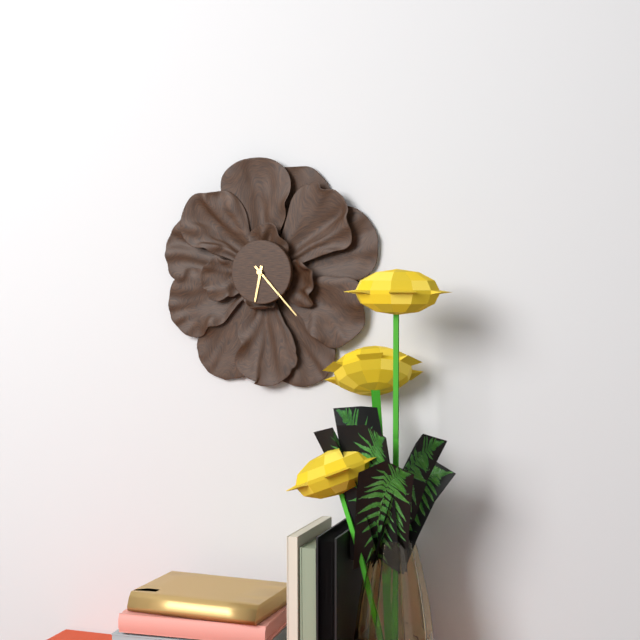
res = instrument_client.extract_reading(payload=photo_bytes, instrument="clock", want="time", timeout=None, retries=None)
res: 6:23
